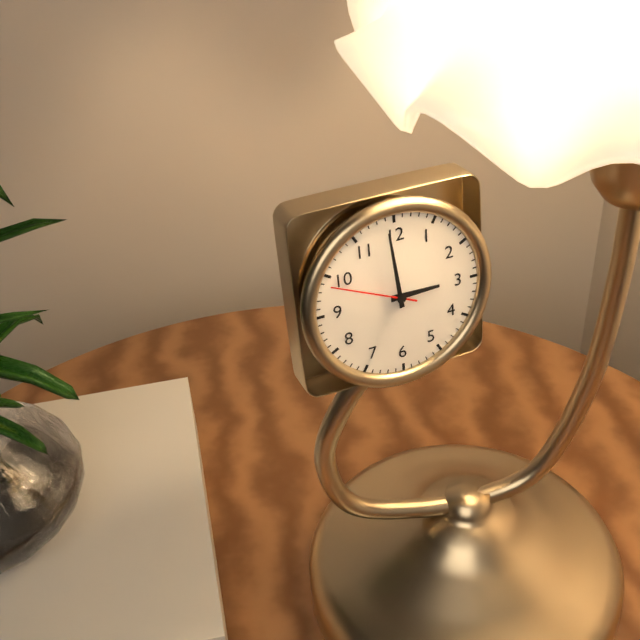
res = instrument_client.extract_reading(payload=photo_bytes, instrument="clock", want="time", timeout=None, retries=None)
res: 2:59:49
